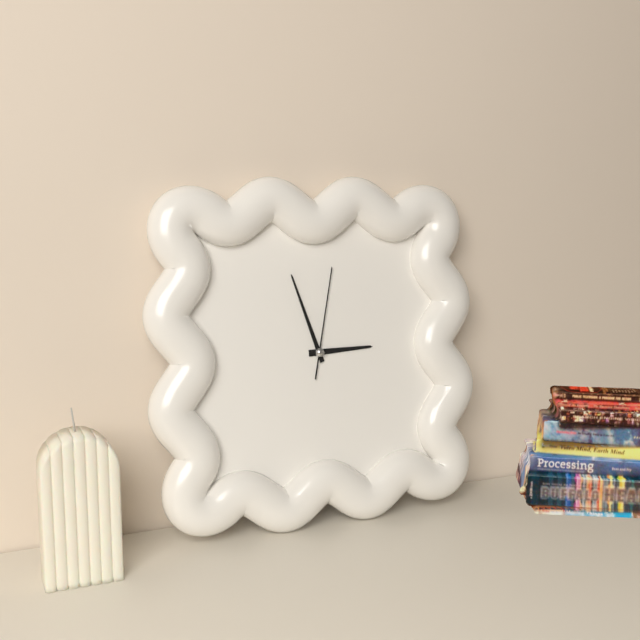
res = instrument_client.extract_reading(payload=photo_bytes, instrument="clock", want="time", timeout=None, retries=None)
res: 2:57:02
